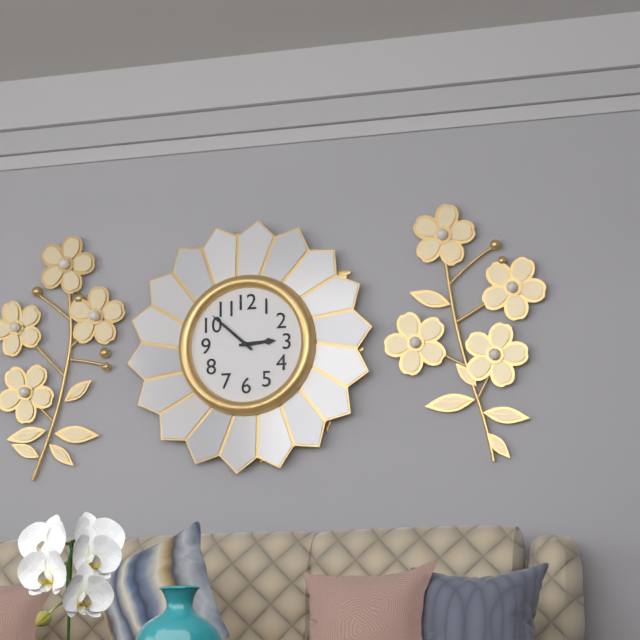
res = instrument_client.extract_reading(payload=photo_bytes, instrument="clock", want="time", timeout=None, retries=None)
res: 2:52
